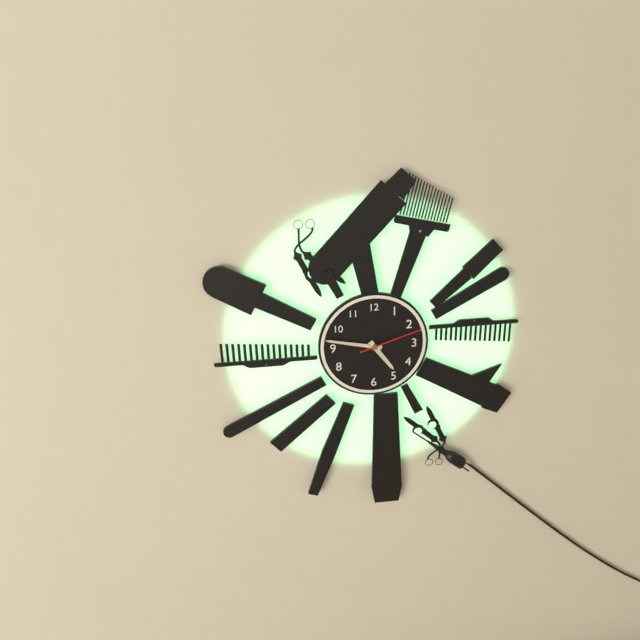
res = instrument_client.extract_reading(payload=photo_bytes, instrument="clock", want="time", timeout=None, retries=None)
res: 4:47:12
